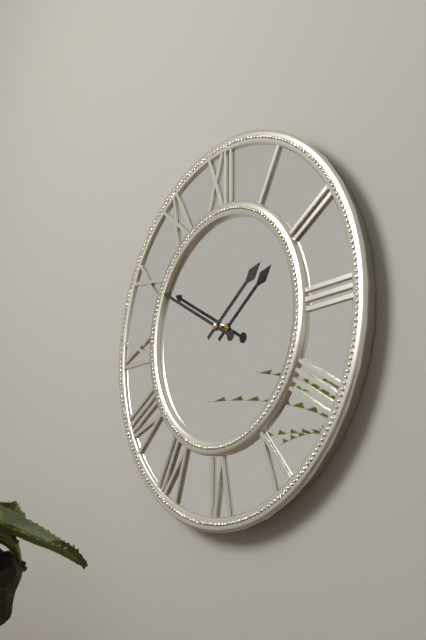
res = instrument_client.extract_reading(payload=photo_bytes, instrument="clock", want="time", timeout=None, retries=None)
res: 1:50
